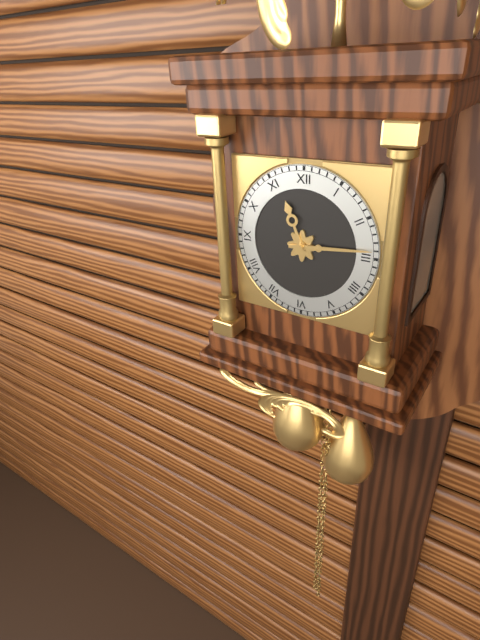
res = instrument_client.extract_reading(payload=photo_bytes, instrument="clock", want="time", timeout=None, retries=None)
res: 11:14
